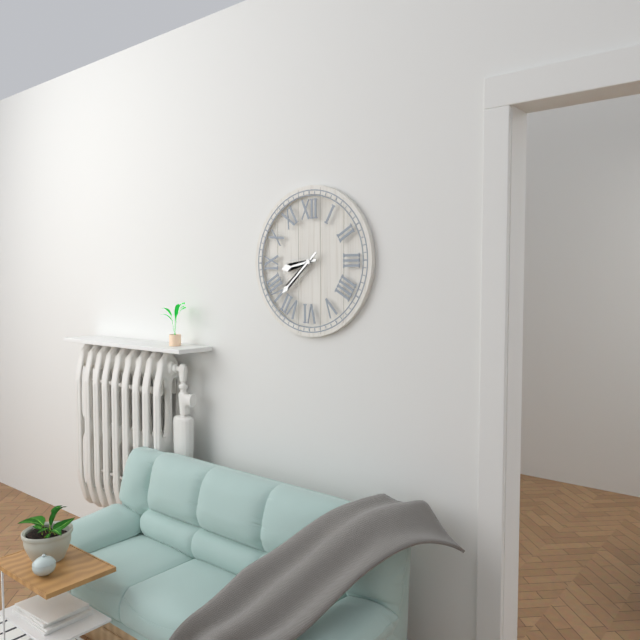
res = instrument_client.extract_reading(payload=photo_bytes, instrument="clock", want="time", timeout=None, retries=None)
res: 8:38
